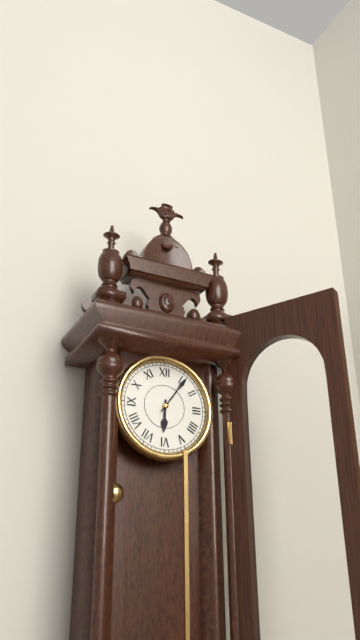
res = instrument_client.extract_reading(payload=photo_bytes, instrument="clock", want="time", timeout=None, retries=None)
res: 6:06
